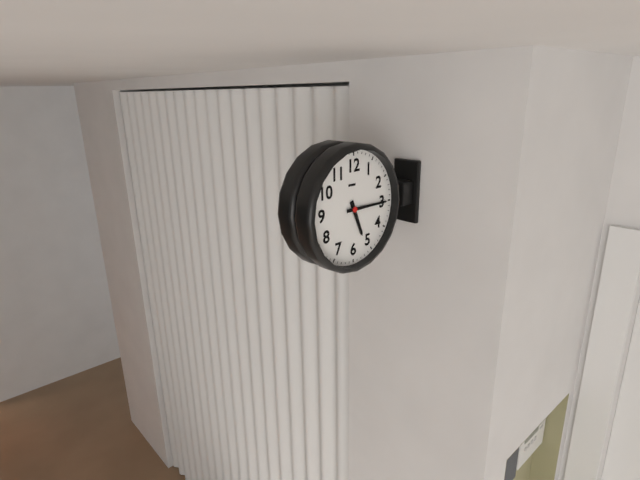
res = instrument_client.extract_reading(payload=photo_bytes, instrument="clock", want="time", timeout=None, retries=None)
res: 5:15
